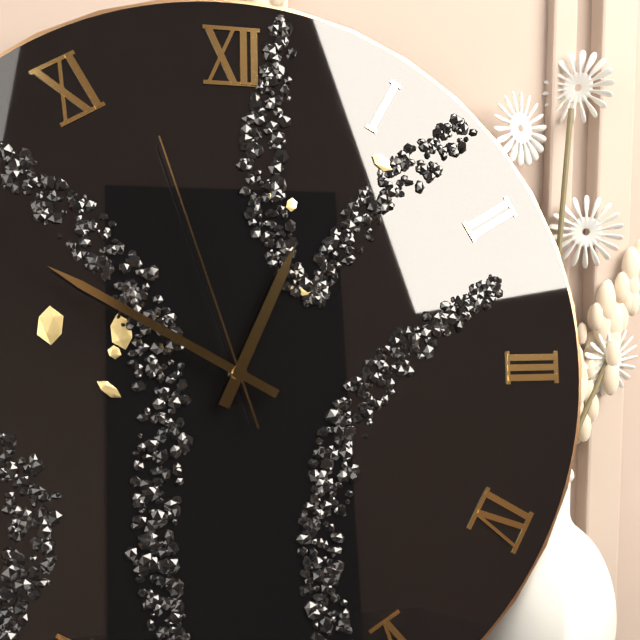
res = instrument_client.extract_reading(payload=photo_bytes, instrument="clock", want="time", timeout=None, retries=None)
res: 12:50:57
